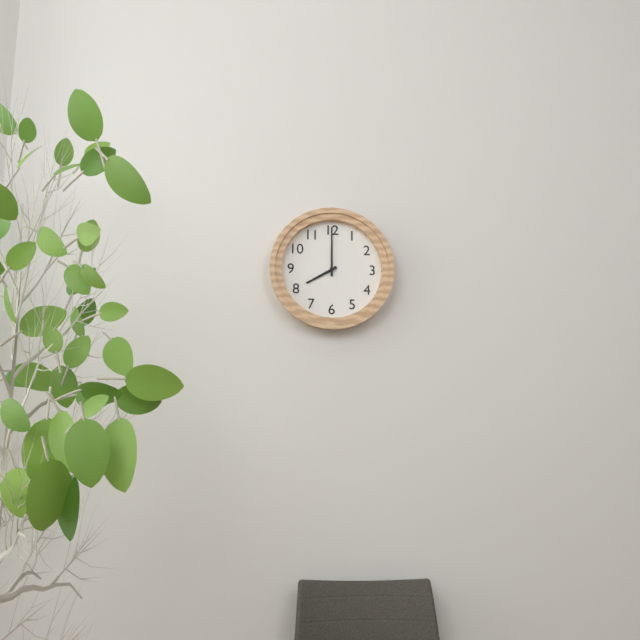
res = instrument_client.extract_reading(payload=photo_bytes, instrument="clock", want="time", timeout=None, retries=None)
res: 8:00
